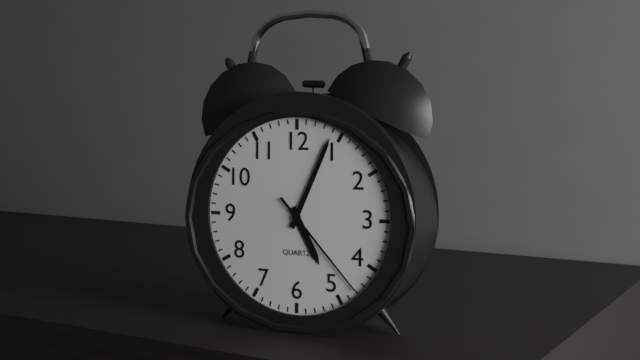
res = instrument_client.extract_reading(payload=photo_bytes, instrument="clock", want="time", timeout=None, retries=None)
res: 5:04:23
